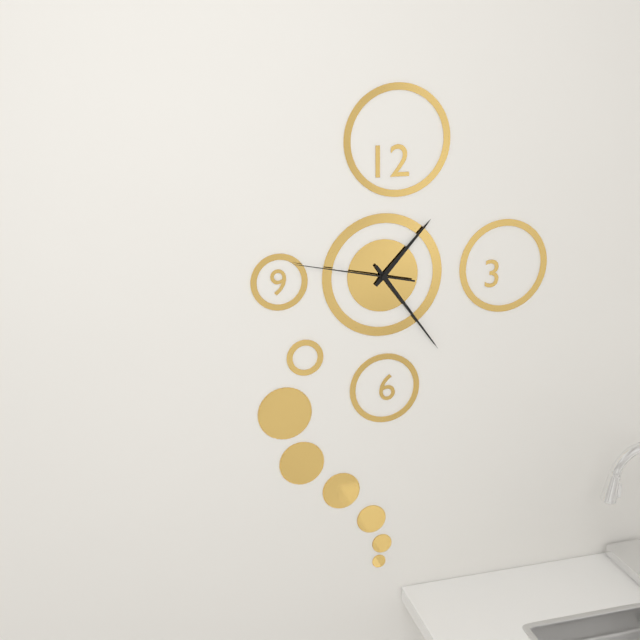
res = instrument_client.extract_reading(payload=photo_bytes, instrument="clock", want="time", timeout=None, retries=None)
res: 1:24:47
